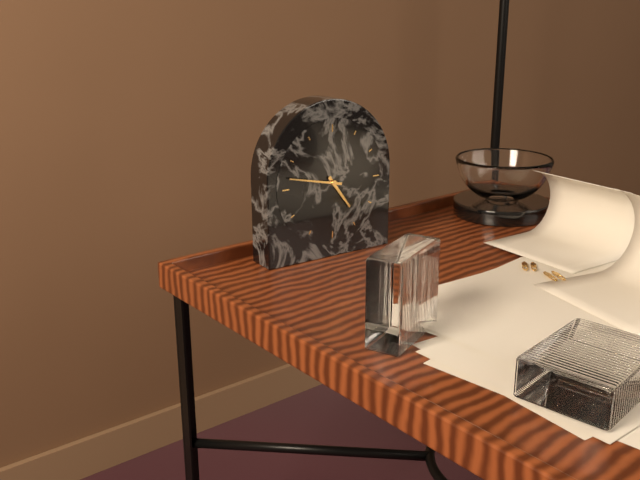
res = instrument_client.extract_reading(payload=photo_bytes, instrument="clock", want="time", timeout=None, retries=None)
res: 4:47
